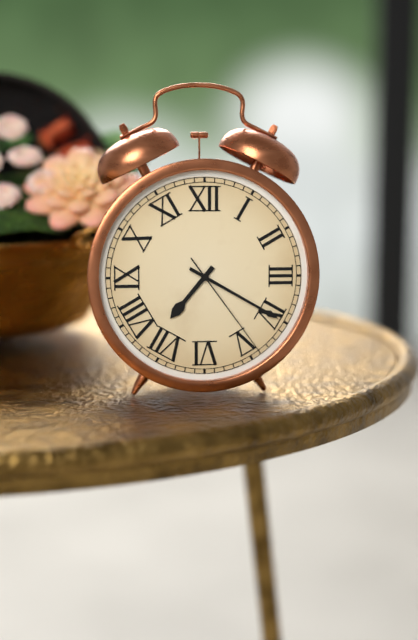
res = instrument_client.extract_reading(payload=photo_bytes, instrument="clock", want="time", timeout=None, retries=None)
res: 7:20:24
